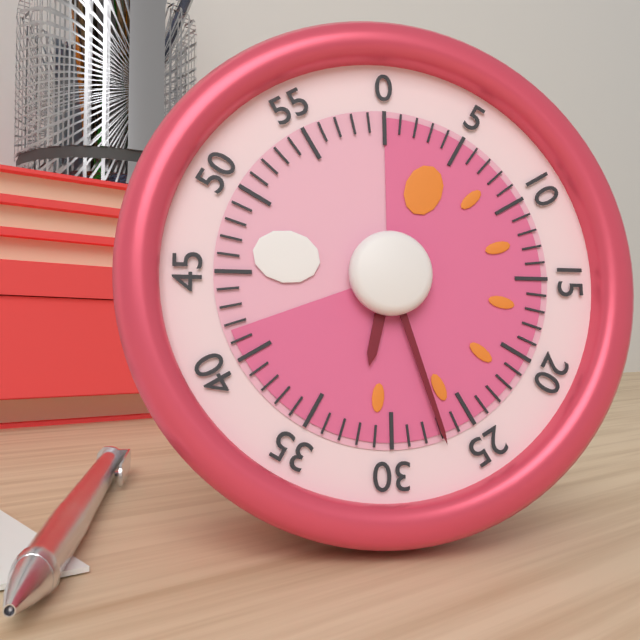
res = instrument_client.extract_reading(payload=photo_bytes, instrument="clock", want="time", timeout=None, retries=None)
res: 6:27
